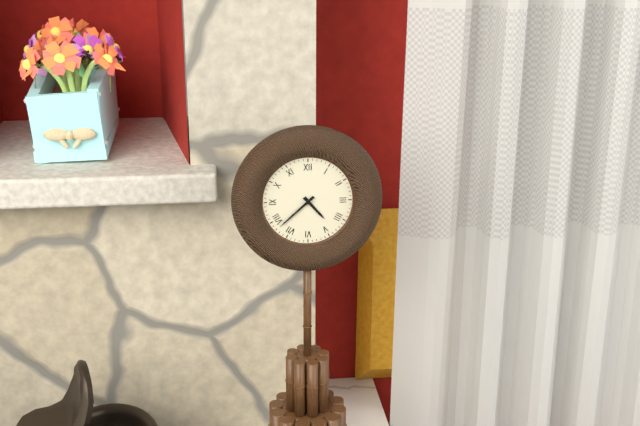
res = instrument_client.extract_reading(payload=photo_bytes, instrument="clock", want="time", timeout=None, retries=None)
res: 4:38
